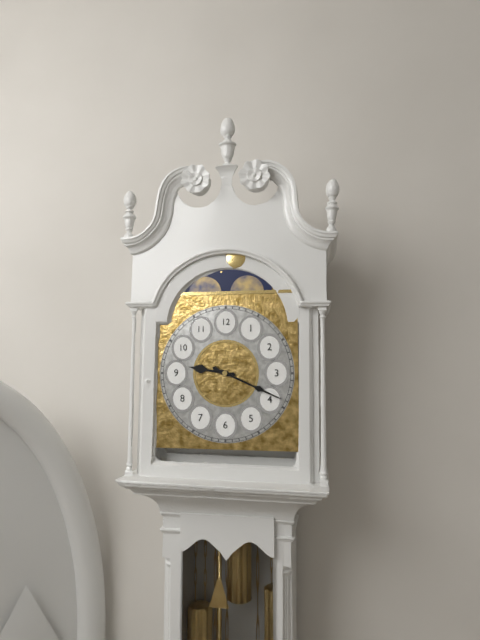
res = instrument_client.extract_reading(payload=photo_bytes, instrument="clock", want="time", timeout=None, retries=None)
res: 9:19
